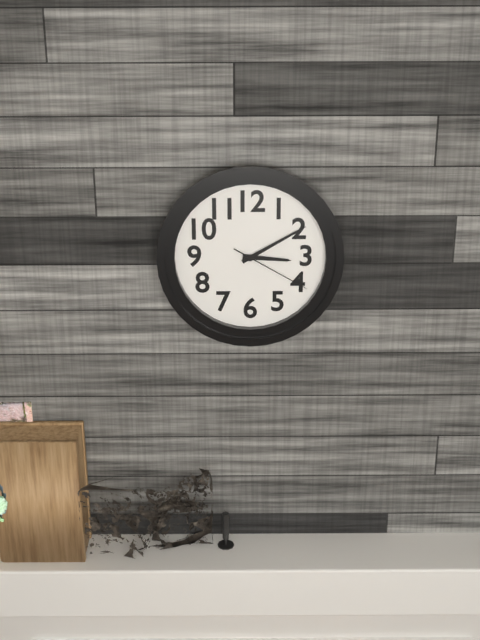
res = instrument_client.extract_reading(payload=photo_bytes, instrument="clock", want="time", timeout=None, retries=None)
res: 3:10:20
